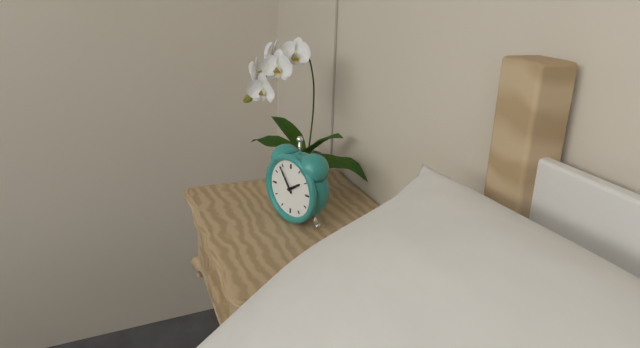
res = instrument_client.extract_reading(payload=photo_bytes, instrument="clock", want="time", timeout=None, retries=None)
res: 1:54
